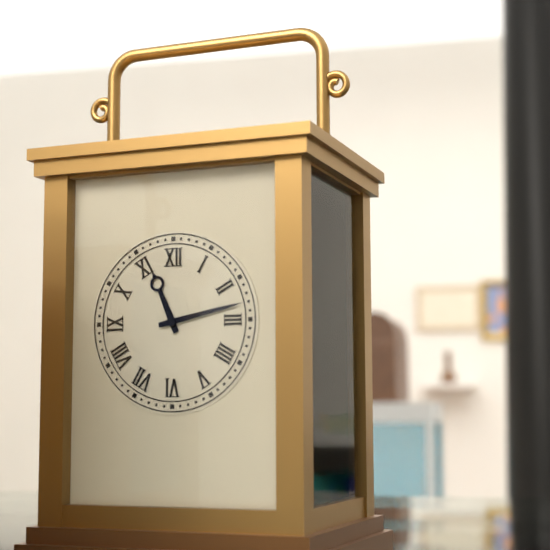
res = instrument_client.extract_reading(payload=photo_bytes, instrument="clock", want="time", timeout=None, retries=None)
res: 11:13
